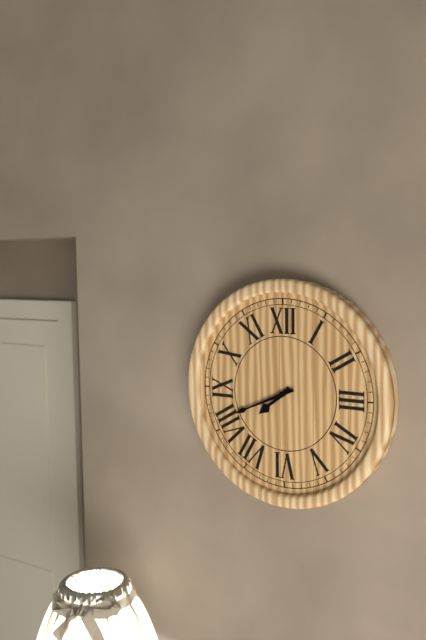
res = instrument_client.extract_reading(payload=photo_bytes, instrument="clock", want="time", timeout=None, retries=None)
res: 7:41
